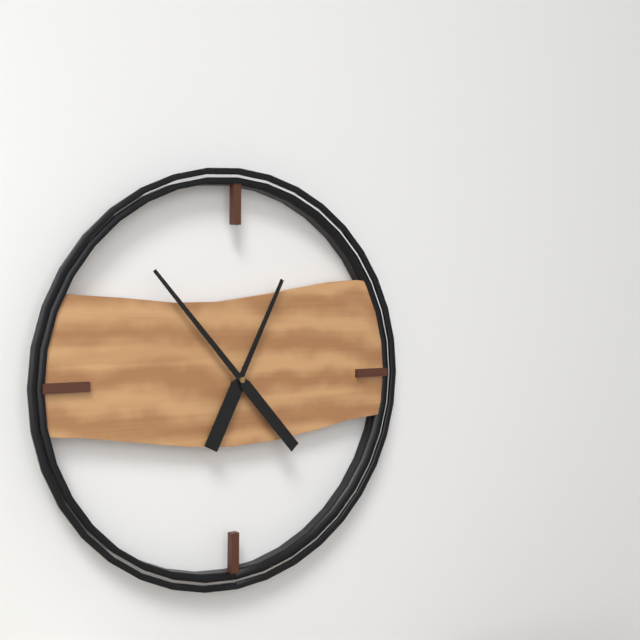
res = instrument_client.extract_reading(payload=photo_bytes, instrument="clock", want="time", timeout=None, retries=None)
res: 12:53
